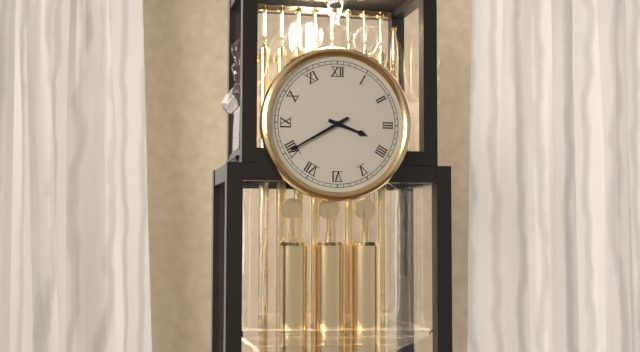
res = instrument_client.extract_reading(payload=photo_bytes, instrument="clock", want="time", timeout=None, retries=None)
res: 3:40
